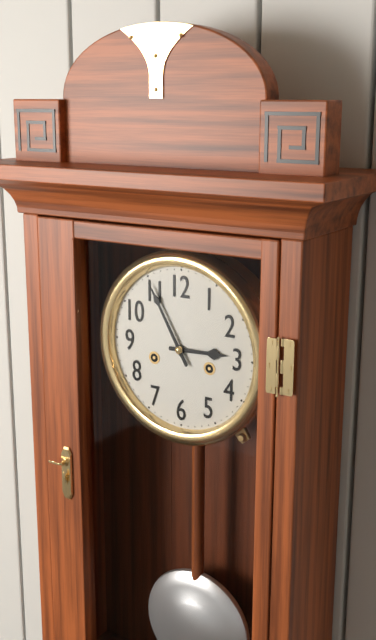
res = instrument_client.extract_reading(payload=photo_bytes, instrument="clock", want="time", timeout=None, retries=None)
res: 2:55
